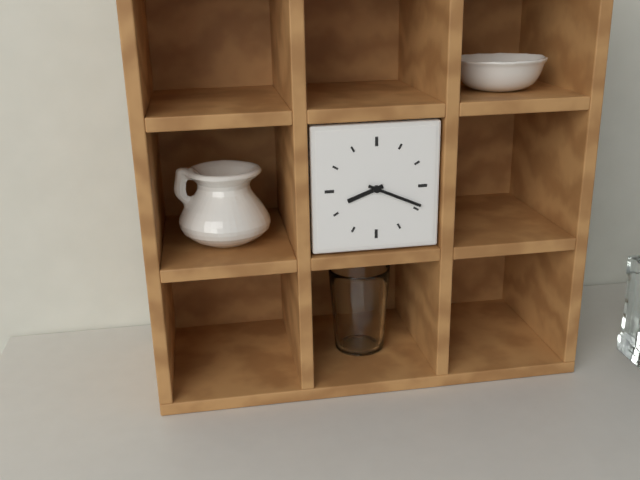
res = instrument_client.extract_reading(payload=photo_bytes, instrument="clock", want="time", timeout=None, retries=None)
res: 8:19
